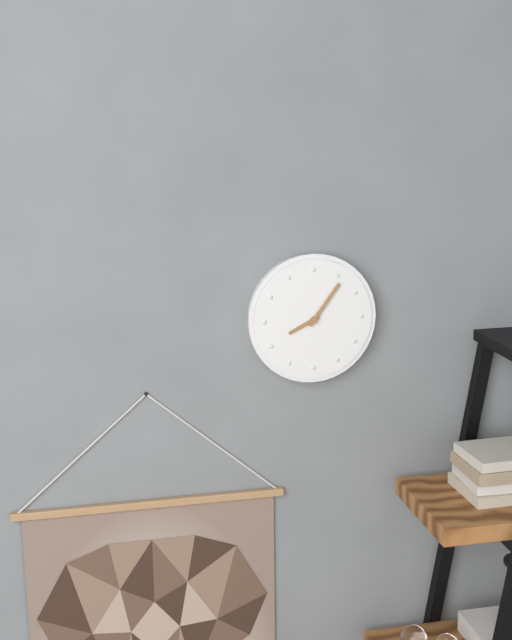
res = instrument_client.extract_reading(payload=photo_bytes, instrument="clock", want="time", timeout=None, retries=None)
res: 8:06
